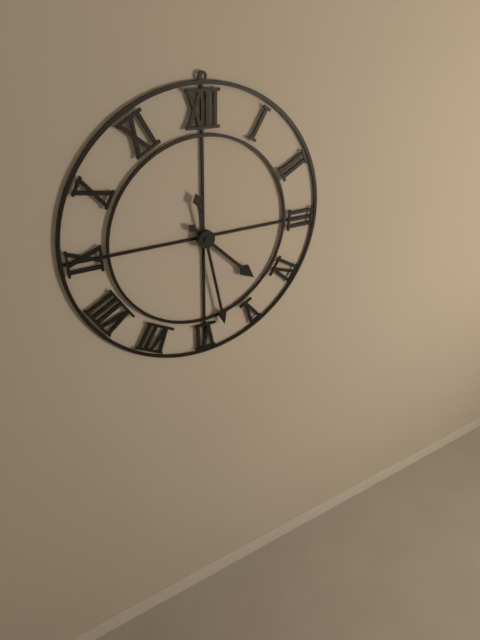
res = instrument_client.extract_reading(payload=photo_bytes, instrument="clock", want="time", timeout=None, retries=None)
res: 4:28
